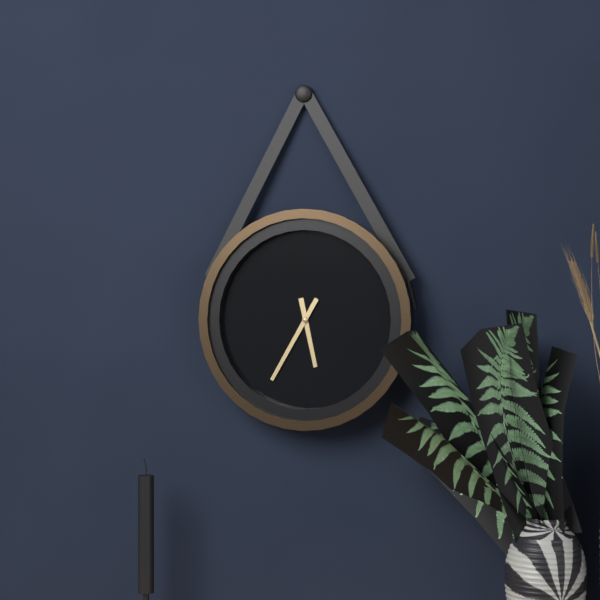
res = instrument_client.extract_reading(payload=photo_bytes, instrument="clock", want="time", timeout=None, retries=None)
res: 5:35
